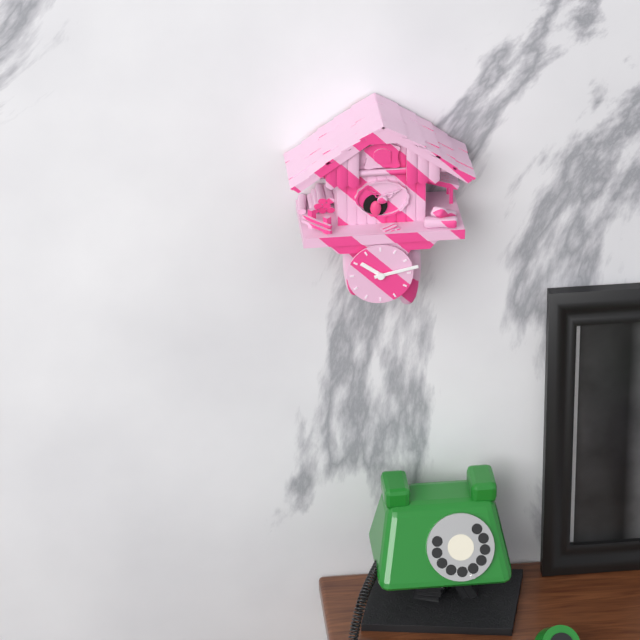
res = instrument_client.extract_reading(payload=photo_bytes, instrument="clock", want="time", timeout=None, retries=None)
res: 10:13
